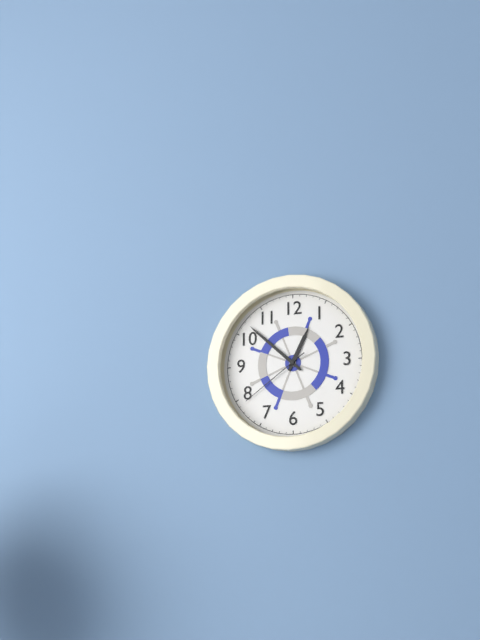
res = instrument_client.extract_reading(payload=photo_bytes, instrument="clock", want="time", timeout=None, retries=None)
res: 12:52:39
